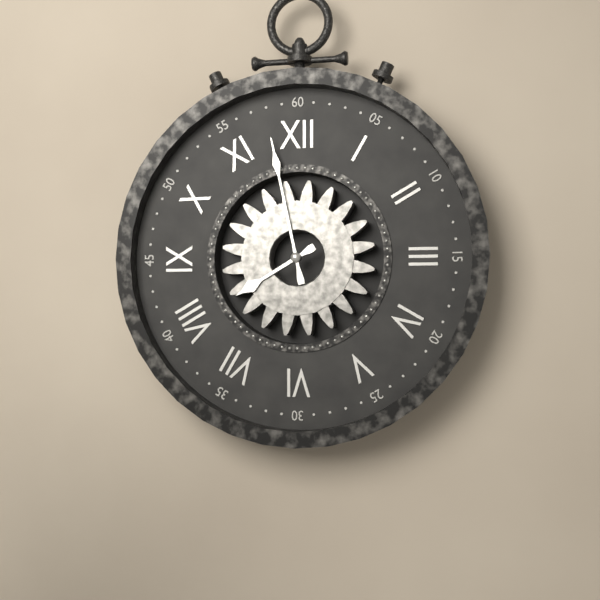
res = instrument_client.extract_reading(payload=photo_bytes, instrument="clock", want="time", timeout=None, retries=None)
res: 7:58
